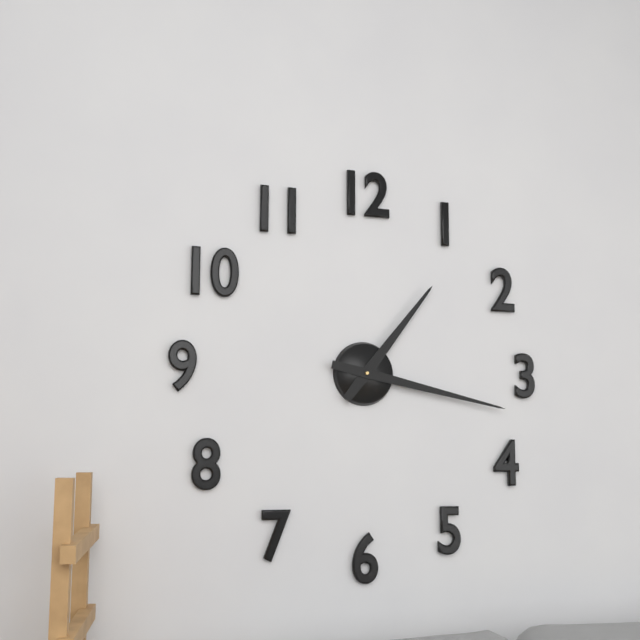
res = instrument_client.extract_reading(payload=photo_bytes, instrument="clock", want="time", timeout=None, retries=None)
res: 1:17
